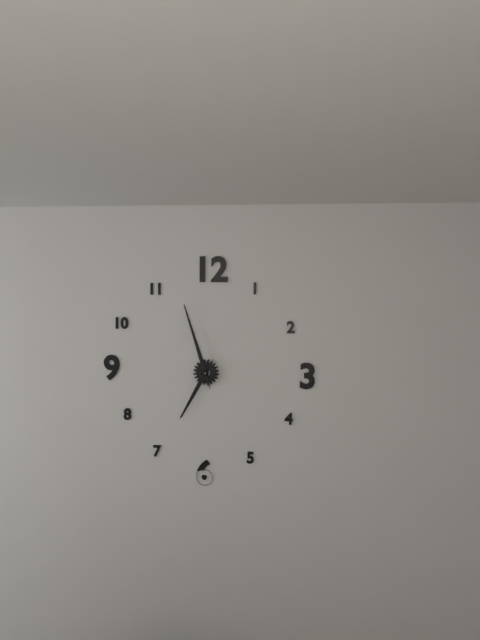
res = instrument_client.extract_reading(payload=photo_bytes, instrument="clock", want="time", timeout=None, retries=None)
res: 6:57
